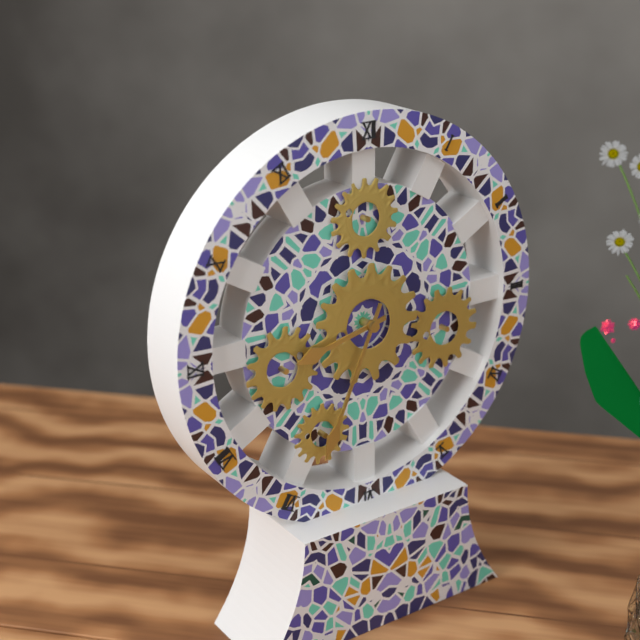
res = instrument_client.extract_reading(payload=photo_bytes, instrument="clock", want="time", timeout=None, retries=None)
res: 8:34
